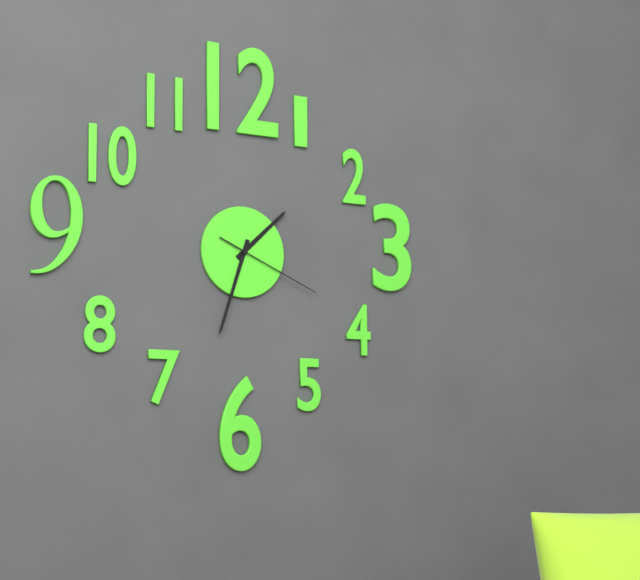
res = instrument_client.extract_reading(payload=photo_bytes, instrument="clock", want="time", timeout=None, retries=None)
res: 1:33:19
